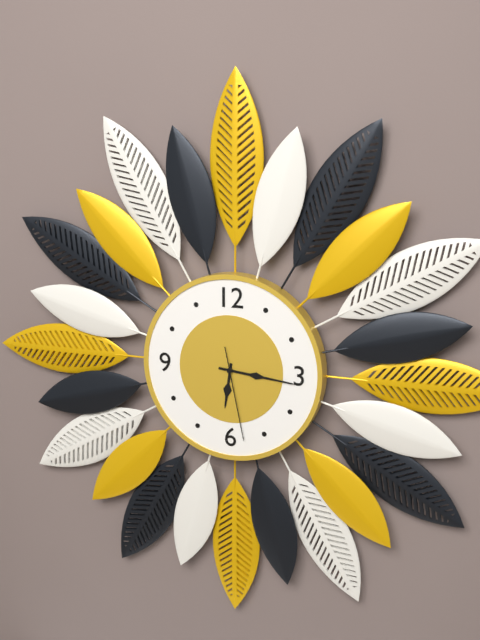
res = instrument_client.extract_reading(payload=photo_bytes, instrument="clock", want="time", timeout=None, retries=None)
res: 6:16:28
